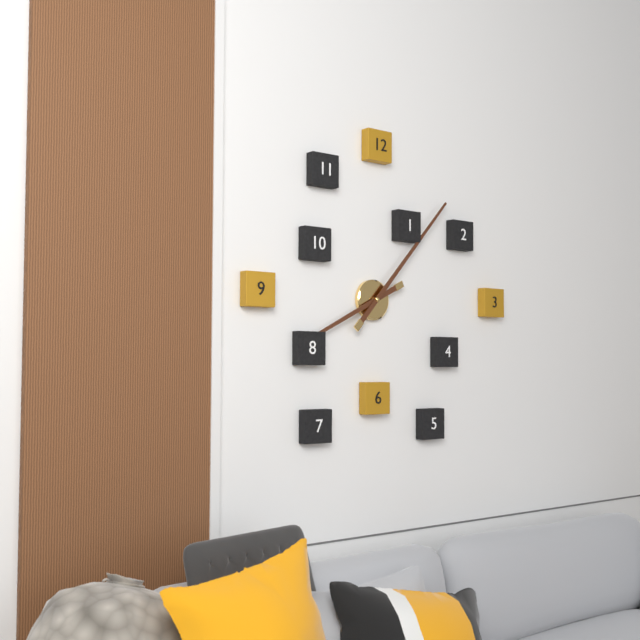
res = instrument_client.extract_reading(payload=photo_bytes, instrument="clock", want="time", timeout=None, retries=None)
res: 8:07
